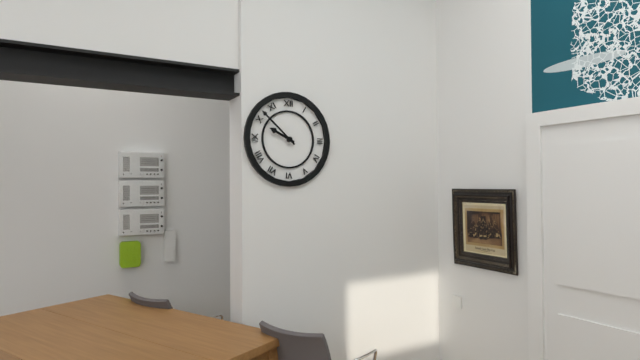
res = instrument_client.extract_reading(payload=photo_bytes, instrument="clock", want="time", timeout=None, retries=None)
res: 9:52
